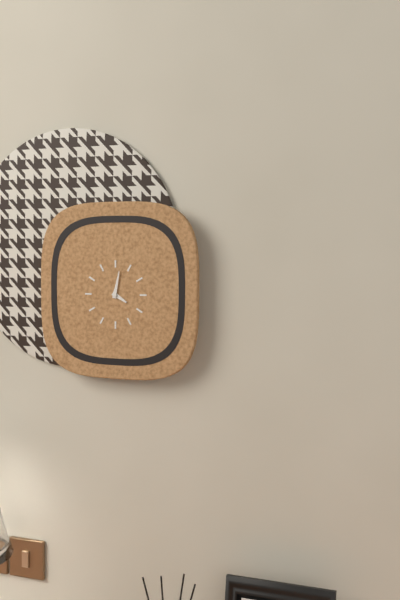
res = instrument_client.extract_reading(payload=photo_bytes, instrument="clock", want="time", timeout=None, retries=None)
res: 4:02
